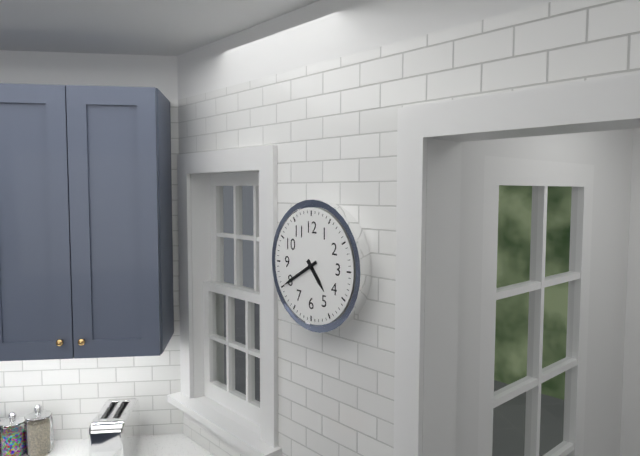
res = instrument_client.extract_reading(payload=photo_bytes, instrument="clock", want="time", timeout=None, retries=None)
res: 4:40
